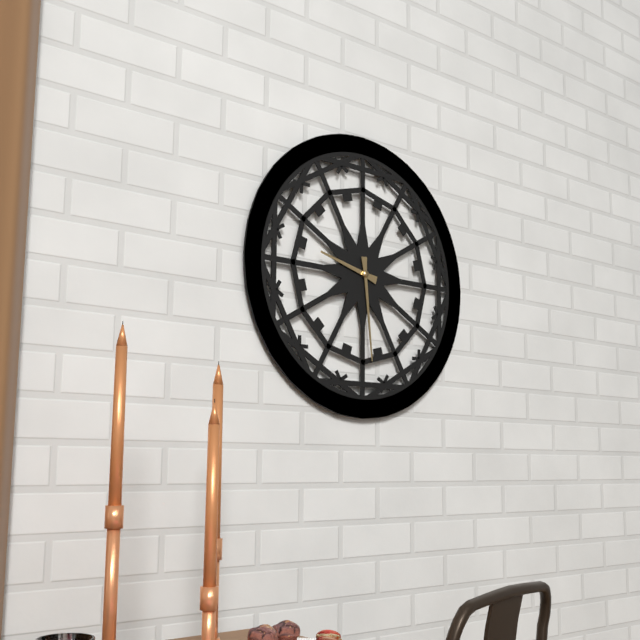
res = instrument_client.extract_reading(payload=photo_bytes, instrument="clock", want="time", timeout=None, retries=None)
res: 9:29
